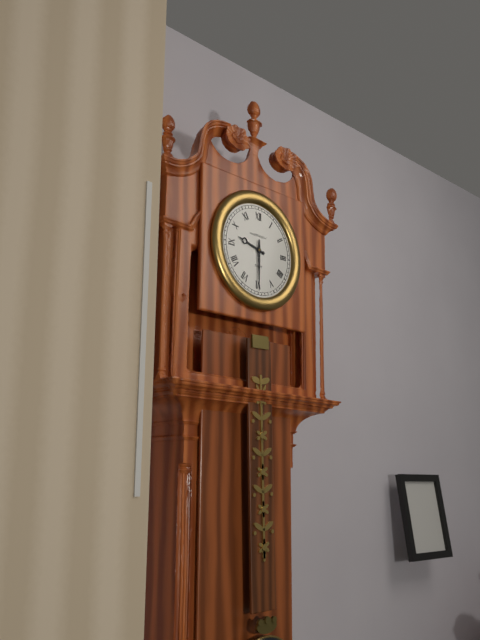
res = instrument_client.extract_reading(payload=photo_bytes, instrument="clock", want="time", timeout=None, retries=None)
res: 9:30
